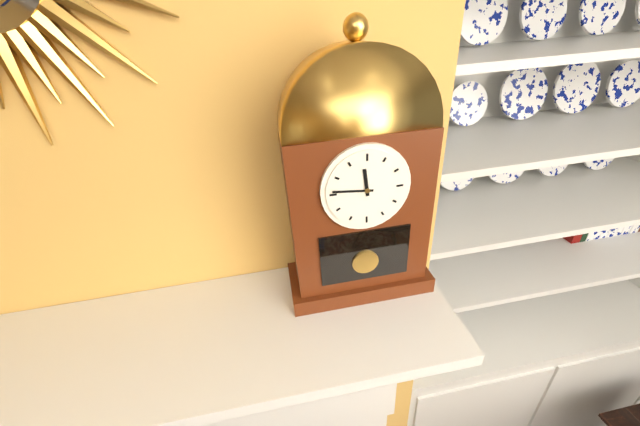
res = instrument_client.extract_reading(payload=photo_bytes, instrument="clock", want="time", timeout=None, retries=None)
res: 11:46
